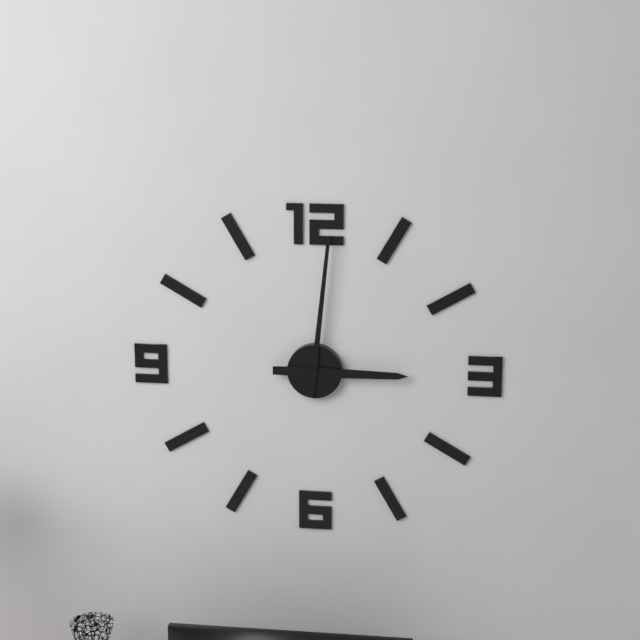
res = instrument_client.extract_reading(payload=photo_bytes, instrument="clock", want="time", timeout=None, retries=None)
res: 3:01
